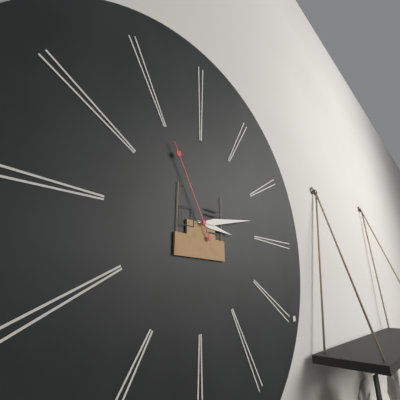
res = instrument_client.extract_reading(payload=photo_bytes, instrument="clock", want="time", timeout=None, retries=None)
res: 3:13:55
